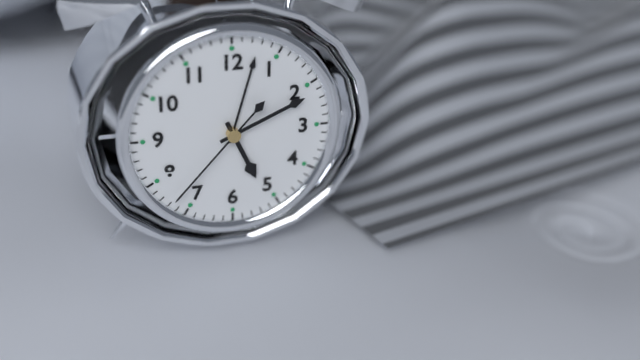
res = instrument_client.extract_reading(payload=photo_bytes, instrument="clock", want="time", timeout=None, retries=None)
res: 5:11:37
